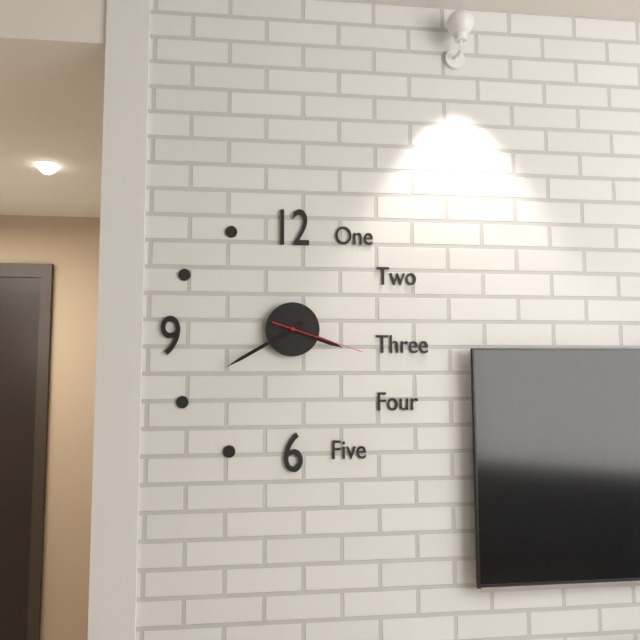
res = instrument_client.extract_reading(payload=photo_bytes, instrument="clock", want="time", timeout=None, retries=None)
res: 3:40:18
